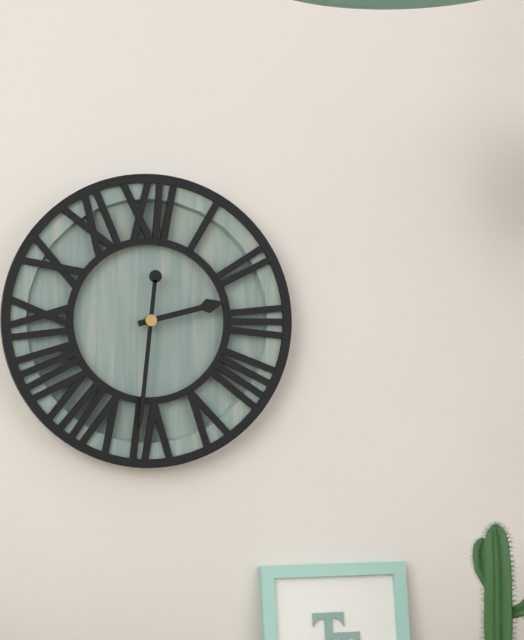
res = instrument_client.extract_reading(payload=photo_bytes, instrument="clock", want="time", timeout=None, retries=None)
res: 2:31
